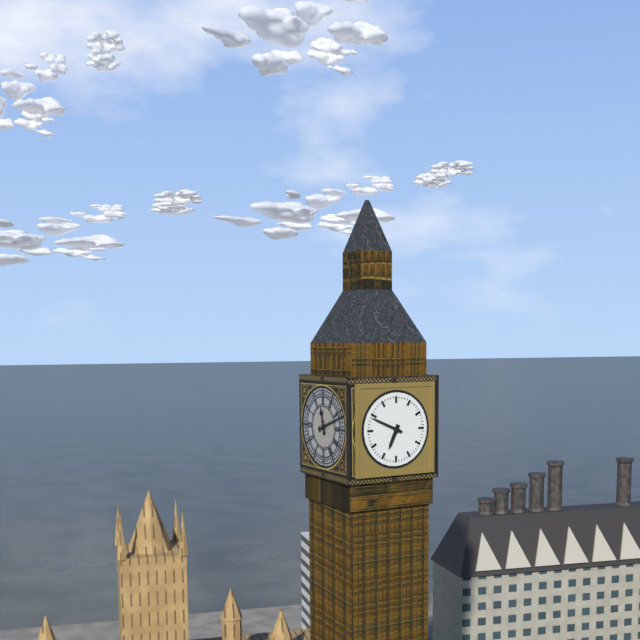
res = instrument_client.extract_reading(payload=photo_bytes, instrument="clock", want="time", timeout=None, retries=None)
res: 6:49
